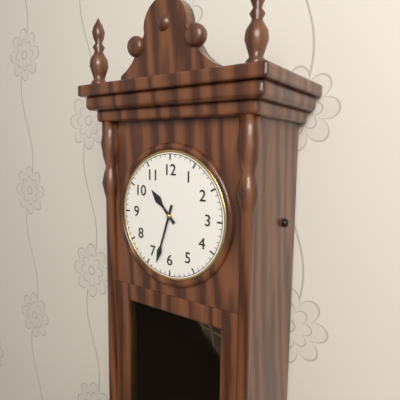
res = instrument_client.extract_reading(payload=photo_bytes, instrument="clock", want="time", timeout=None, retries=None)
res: 10:33
